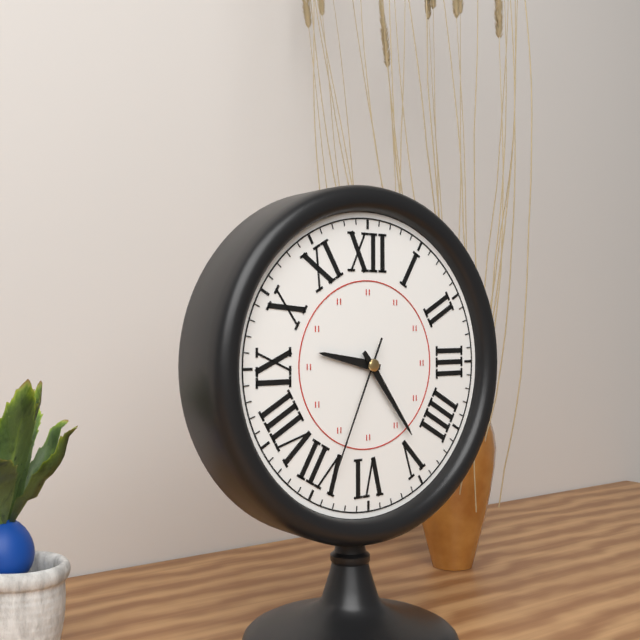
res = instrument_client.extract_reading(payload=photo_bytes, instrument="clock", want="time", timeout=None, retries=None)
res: 9:24:34
